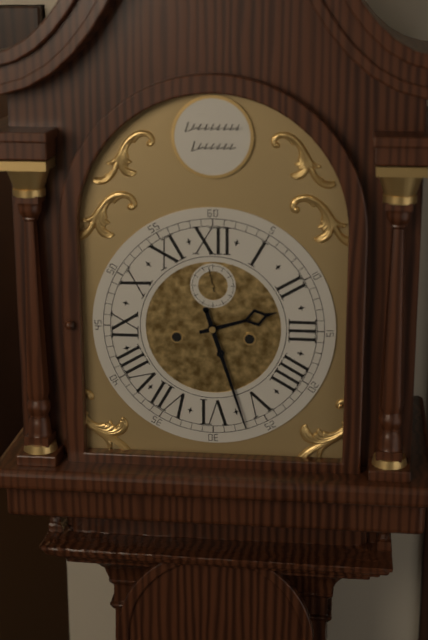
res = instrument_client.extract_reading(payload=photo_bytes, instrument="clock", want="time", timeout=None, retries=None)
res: 2:27
